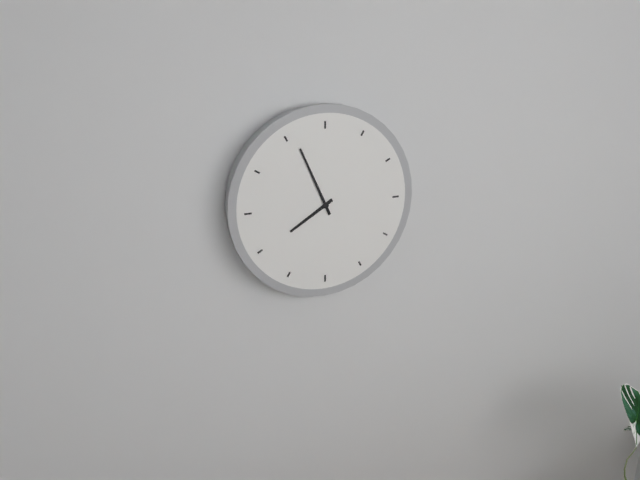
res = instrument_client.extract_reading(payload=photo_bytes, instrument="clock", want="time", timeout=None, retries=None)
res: 7:56
